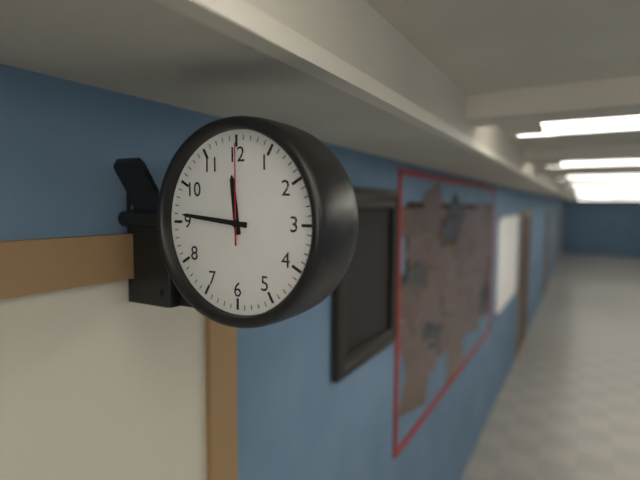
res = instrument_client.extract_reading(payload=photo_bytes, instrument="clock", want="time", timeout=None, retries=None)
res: 11:46:00
